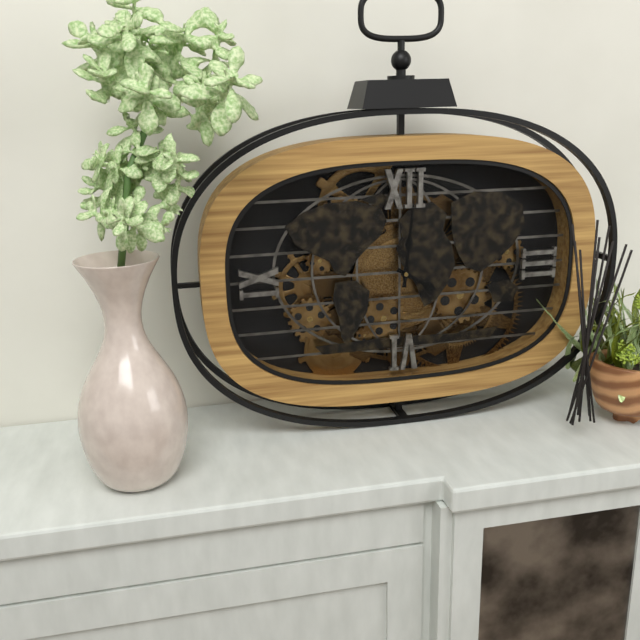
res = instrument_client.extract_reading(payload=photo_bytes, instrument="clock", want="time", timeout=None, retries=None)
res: 4:01
